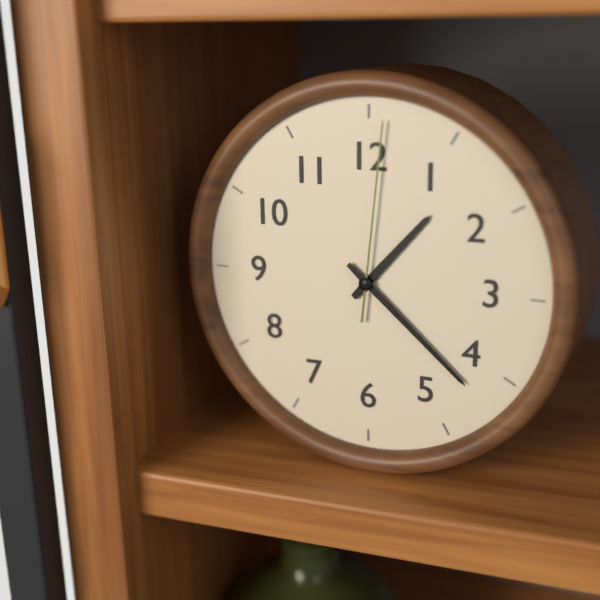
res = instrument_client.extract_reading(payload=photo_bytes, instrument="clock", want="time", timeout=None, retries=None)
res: 1:22:01
